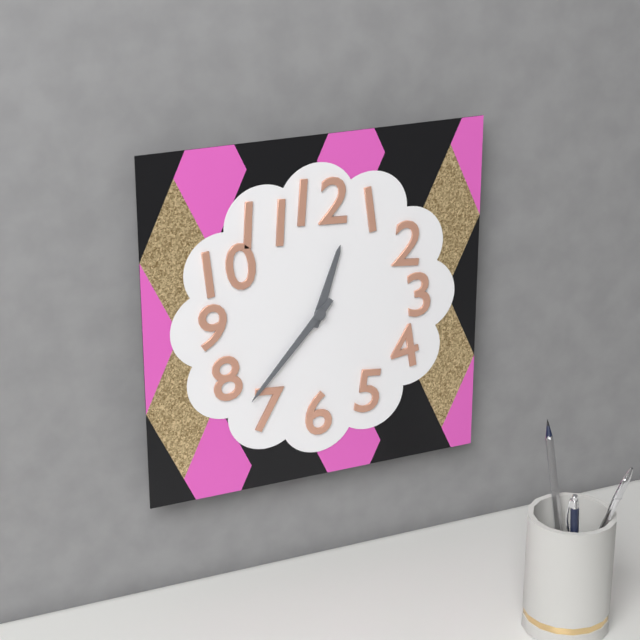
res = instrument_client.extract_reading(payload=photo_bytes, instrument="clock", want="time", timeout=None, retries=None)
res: 12:37
